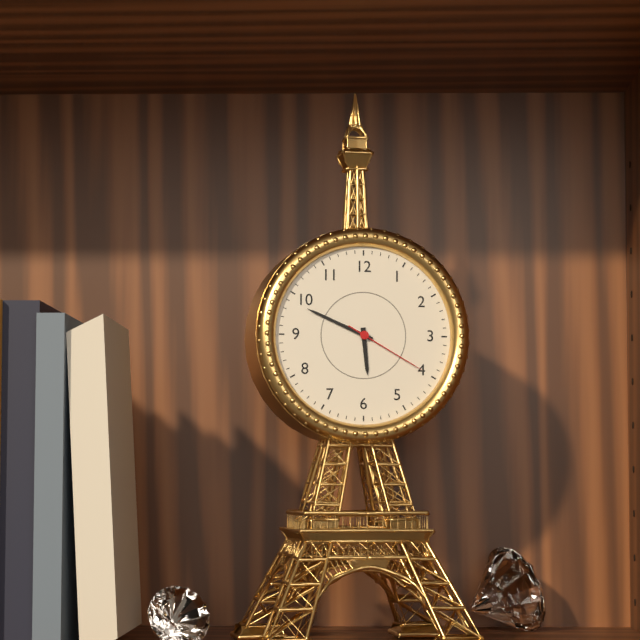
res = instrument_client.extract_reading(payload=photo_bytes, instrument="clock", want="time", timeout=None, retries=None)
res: 5:49:20
